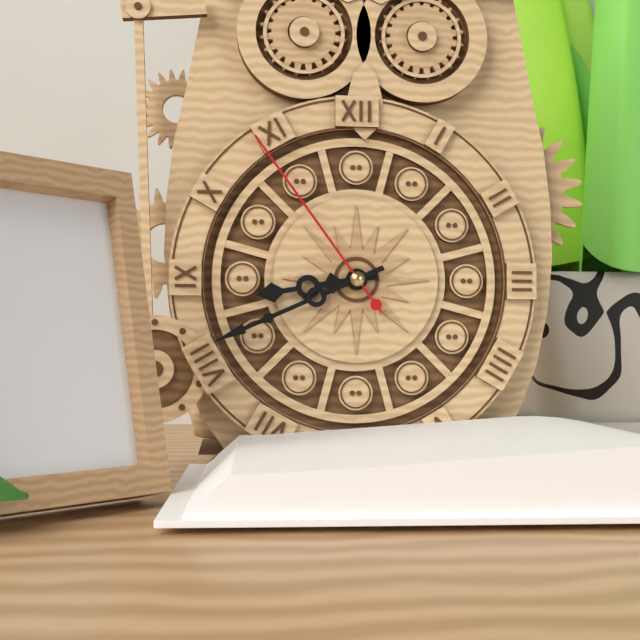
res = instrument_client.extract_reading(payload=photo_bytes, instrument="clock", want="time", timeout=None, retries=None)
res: 8:41:54
